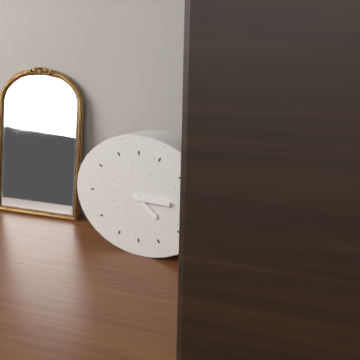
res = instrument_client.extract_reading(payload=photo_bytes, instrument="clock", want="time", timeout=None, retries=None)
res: 4:15
